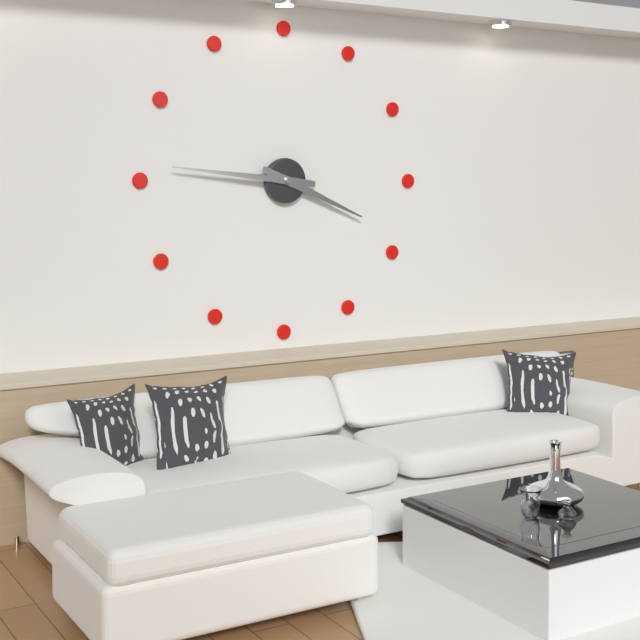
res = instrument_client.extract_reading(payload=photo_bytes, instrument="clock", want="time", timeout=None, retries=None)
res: 3:46
